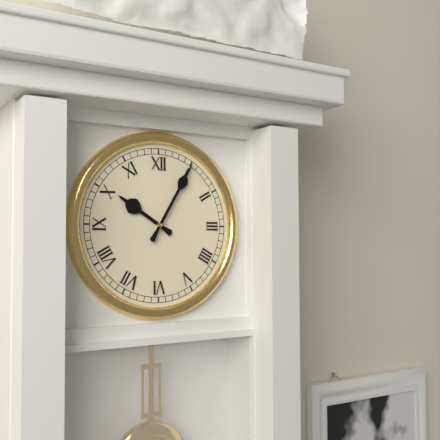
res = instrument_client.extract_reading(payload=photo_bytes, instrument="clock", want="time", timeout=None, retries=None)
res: 10:05
